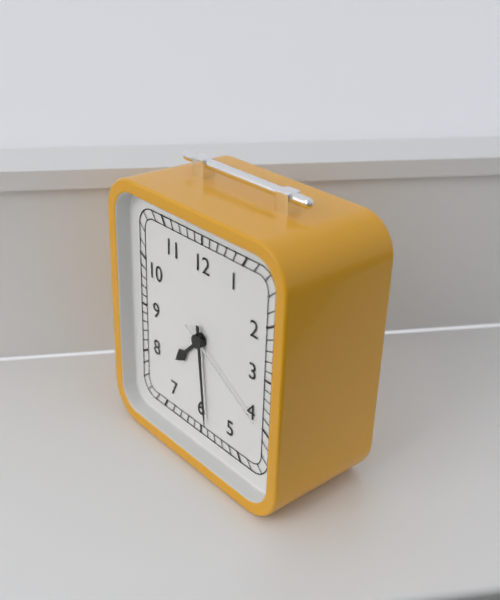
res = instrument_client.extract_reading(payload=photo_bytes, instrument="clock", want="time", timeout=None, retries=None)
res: 7:29:20
